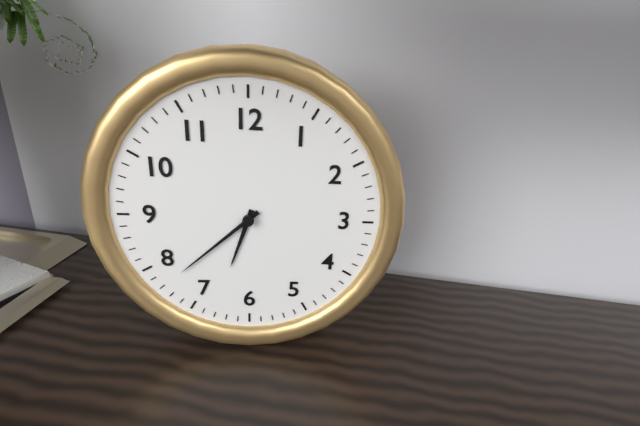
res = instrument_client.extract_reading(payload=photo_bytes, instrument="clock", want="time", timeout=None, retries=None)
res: 6:38
